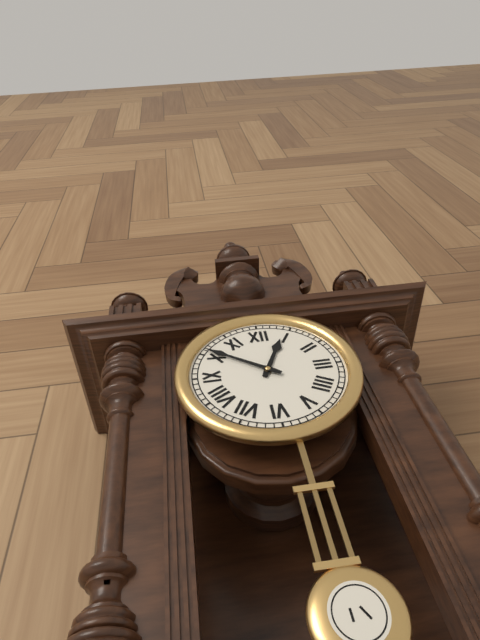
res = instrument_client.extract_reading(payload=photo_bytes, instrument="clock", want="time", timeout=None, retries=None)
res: 12:51
